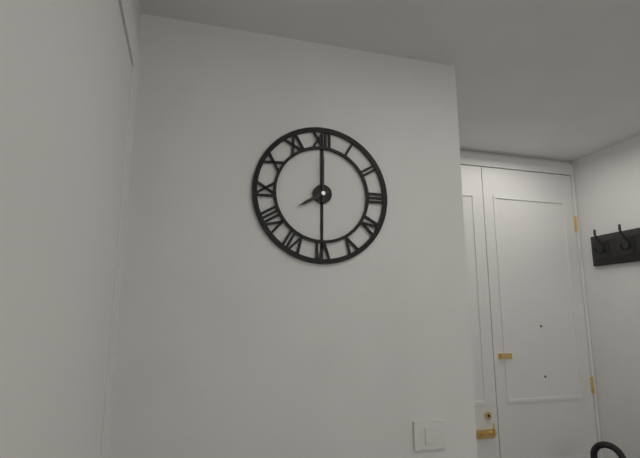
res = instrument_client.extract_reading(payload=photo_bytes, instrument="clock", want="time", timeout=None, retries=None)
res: 8:00
